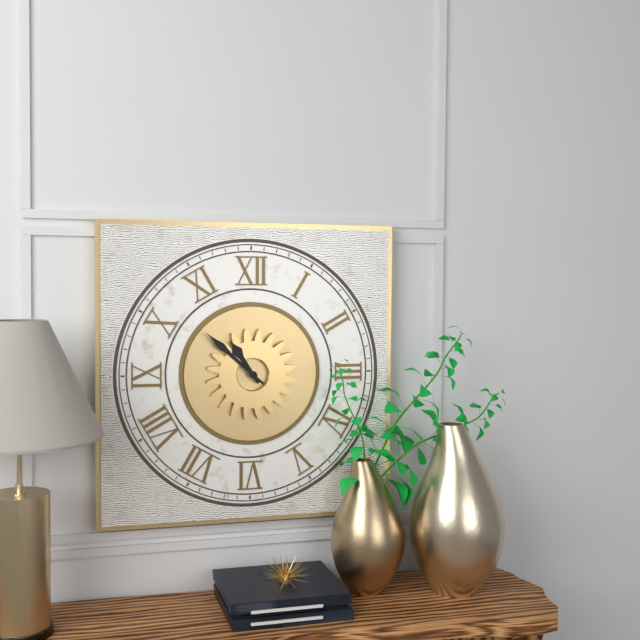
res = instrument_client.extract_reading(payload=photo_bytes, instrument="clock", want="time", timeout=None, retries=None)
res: 10:52
